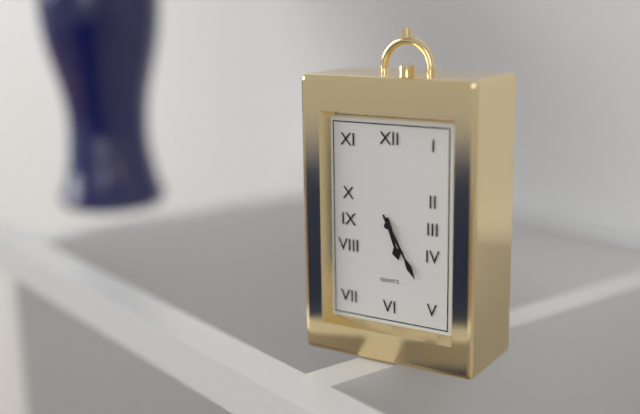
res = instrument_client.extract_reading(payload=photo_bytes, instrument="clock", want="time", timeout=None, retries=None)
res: 5:25
